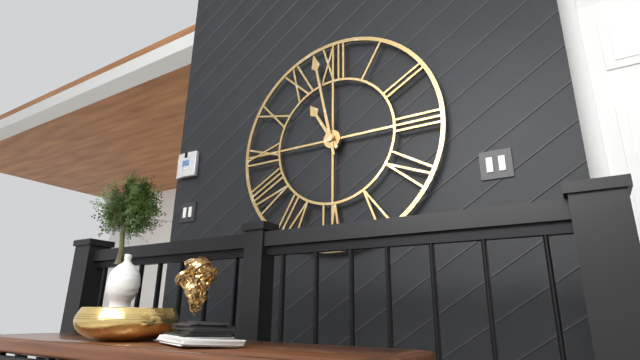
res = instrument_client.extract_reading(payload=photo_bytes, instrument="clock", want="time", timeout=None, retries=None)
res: 10:58
